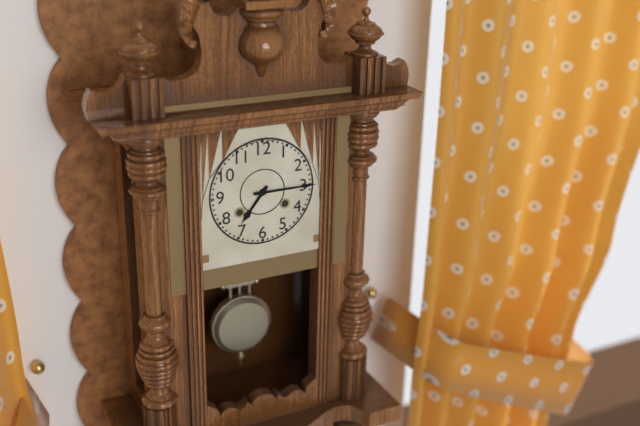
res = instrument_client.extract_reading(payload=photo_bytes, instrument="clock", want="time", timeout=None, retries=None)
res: 7:15
